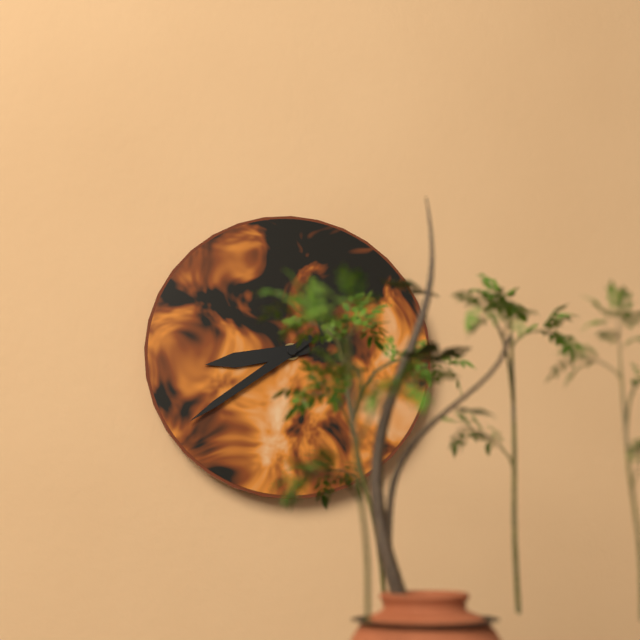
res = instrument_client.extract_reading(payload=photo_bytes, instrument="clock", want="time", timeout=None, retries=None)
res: 8:39
